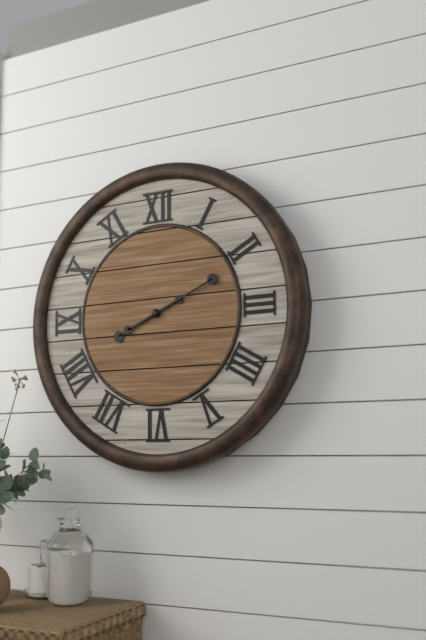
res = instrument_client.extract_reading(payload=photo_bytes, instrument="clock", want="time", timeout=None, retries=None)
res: 8:11
